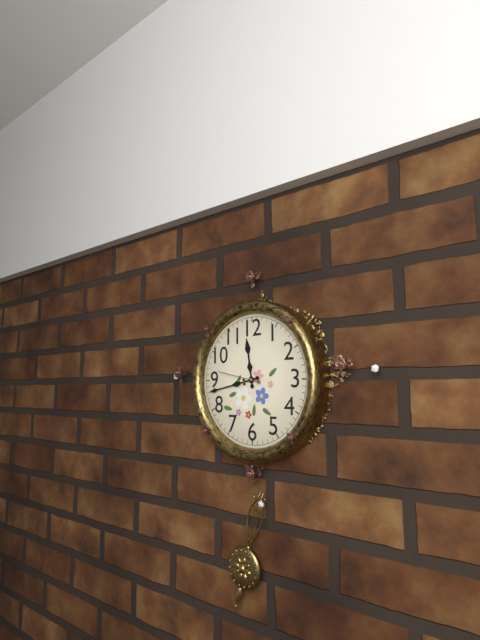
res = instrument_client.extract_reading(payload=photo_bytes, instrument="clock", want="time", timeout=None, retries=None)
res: 11:43
